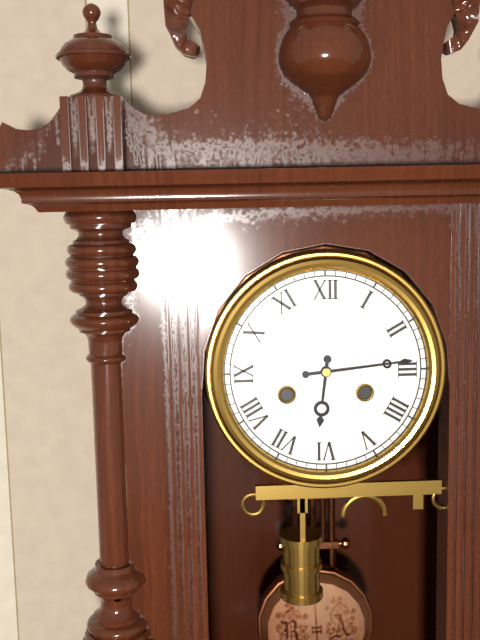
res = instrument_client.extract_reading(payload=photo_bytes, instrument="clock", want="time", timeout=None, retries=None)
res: 6:14
